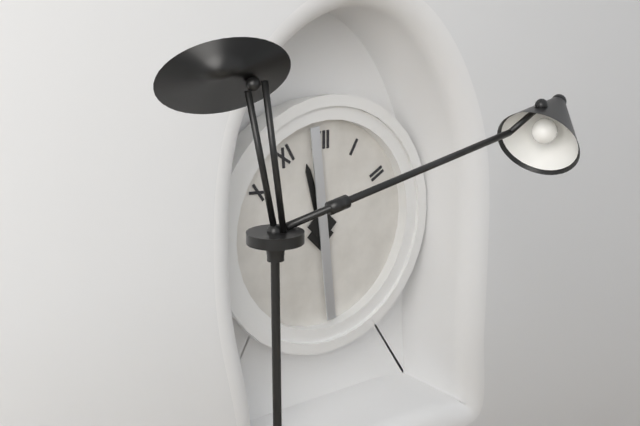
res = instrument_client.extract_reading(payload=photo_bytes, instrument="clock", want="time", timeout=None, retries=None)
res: 11:29
